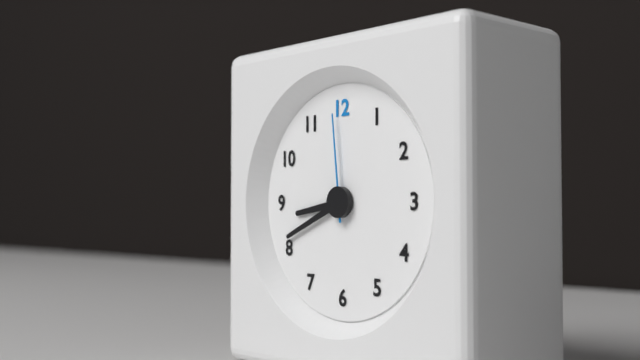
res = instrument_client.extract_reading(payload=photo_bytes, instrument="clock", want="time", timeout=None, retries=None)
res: 8:41:59
